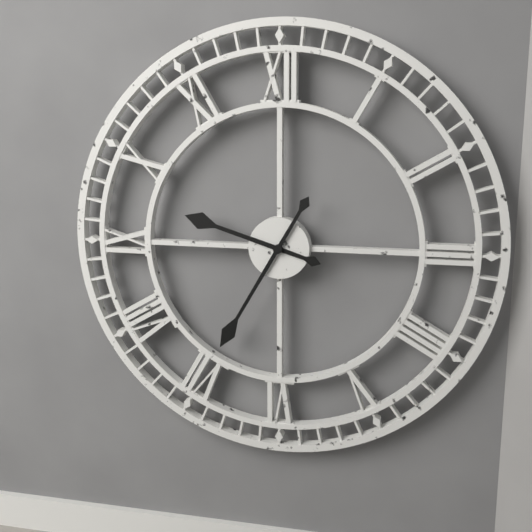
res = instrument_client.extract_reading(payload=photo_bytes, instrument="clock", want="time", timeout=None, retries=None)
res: 9:35
